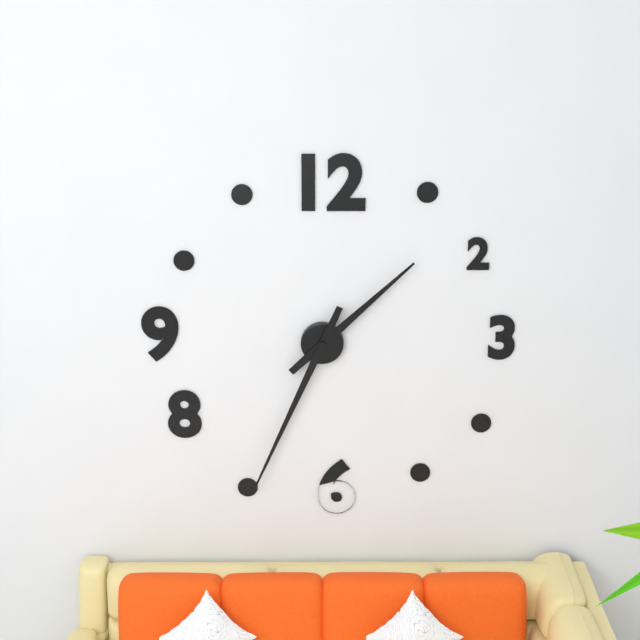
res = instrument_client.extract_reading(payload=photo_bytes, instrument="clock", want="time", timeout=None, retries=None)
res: 1:34
